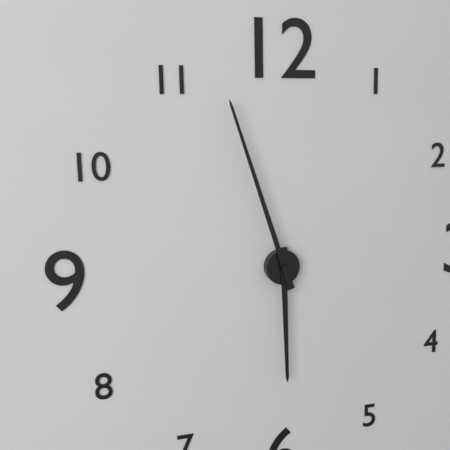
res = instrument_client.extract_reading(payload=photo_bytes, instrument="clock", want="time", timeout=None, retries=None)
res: 5:57
